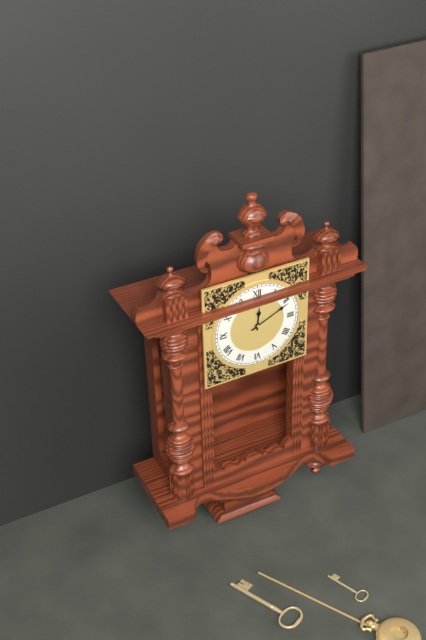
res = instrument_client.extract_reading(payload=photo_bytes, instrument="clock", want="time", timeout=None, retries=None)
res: 12:11
